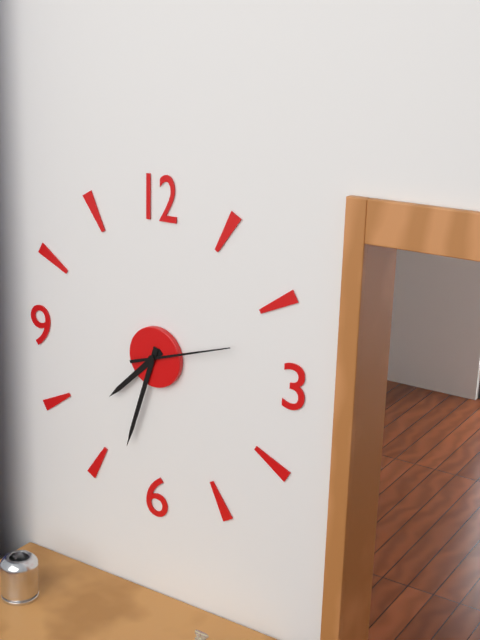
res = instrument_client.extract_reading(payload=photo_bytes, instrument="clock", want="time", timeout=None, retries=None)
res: 7:33:12
